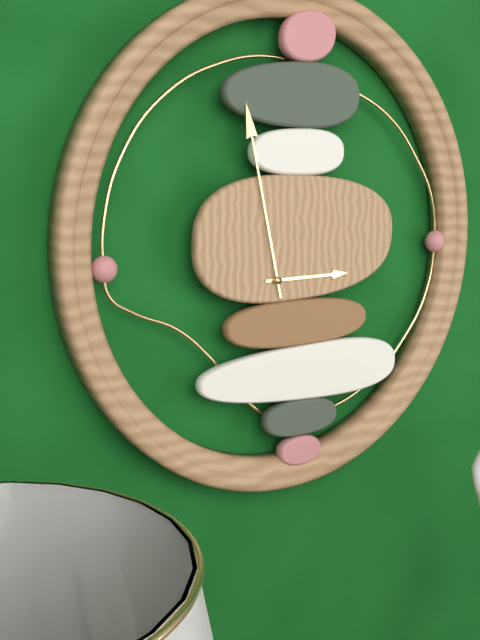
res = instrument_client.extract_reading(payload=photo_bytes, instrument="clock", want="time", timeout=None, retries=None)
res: 2:58
